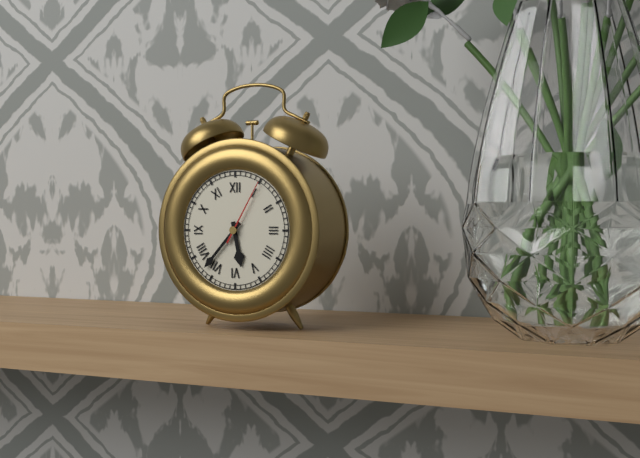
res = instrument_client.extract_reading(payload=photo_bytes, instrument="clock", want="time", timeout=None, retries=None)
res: 5:37:05
